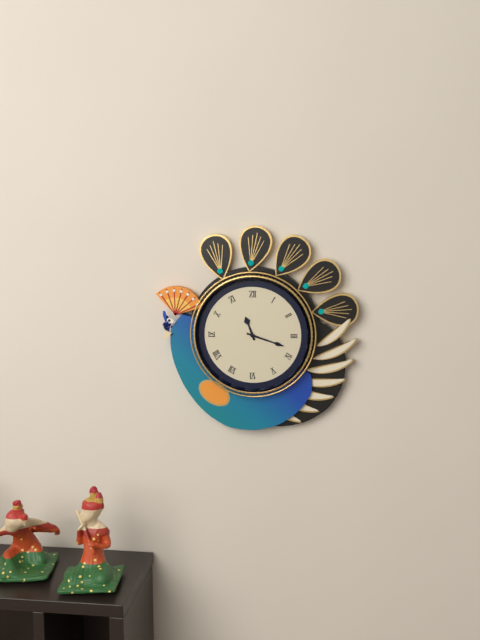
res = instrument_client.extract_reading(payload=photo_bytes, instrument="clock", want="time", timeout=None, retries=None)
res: 11:18
